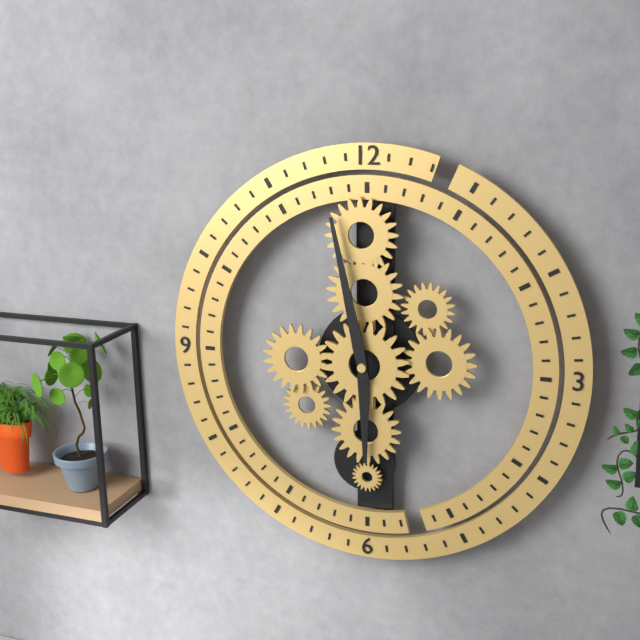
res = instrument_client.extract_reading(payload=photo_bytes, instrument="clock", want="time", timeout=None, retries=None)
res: 5:58
